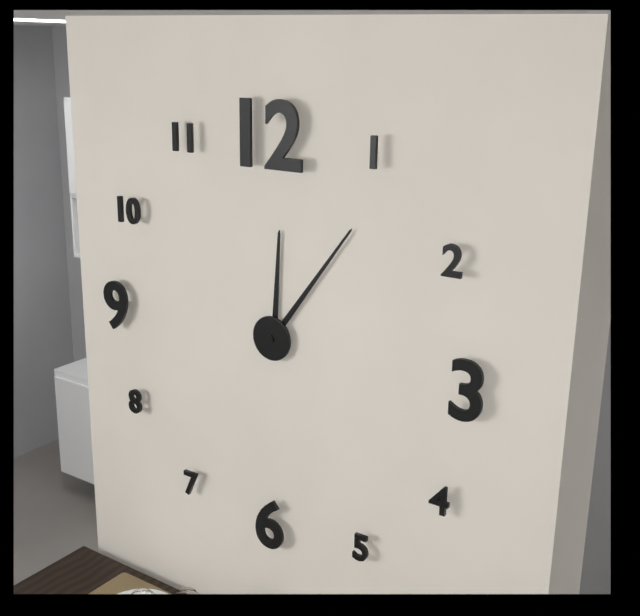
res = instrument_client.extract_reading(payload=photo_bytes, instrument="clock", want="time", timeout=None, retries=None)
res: 12:06
